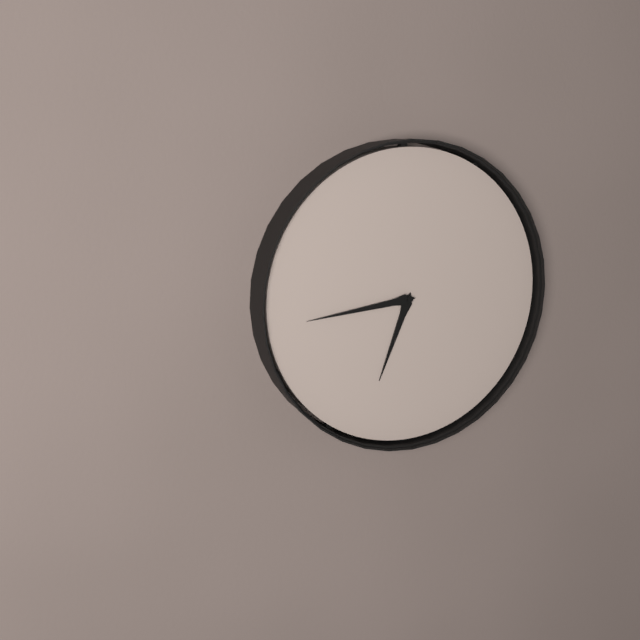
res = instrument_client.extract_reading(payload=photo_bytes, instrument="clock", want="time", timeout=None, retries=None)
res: 6:44
